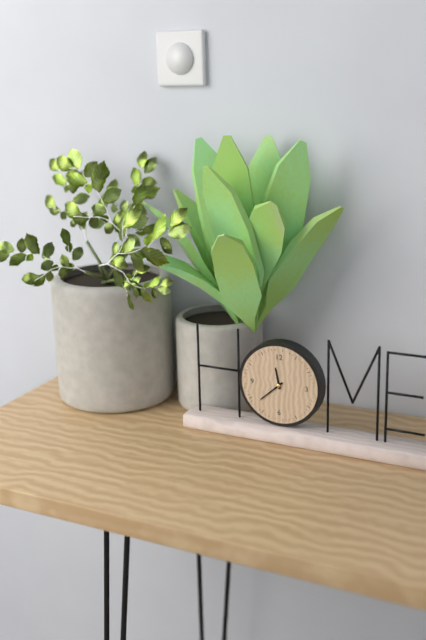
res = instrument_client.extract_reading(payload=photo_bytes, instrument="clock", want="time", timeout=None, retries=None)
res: 11:38
